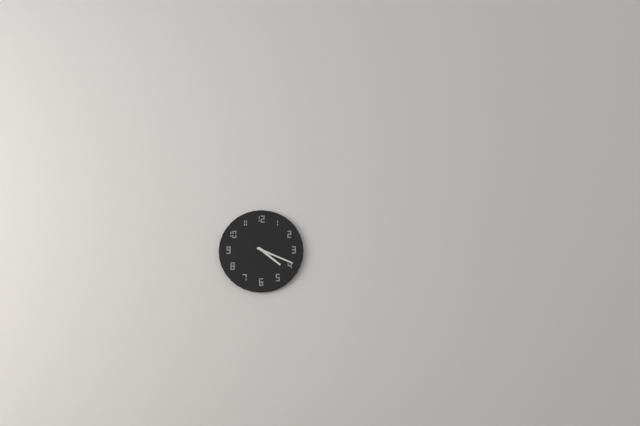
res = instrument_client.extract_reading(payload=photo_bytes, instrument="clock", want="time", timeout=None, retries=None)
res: 4:19
